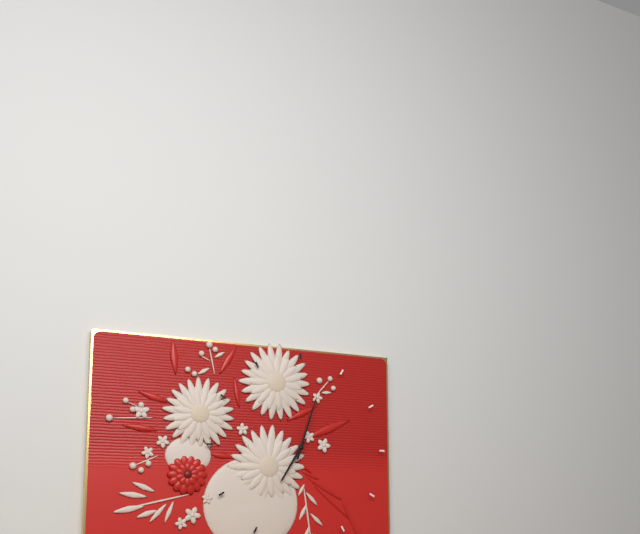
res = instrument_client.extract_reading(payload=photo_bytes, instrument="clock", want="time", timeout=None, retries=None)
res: 7:03
